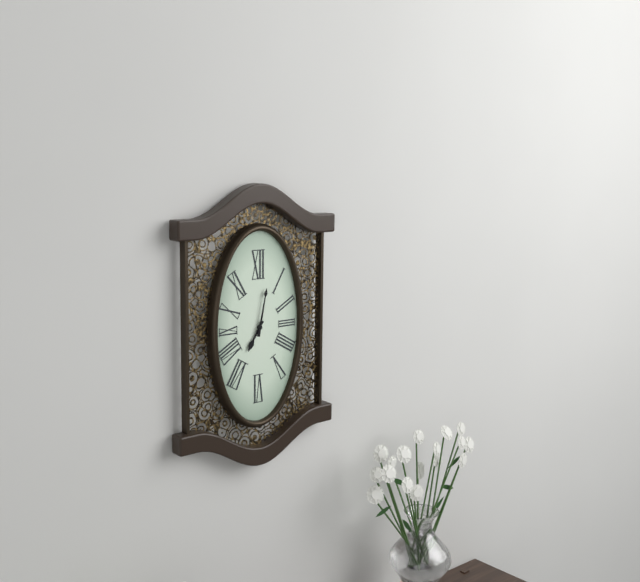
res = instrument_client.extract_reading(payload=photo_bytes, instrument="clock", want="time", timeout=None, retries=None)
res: 7:02
